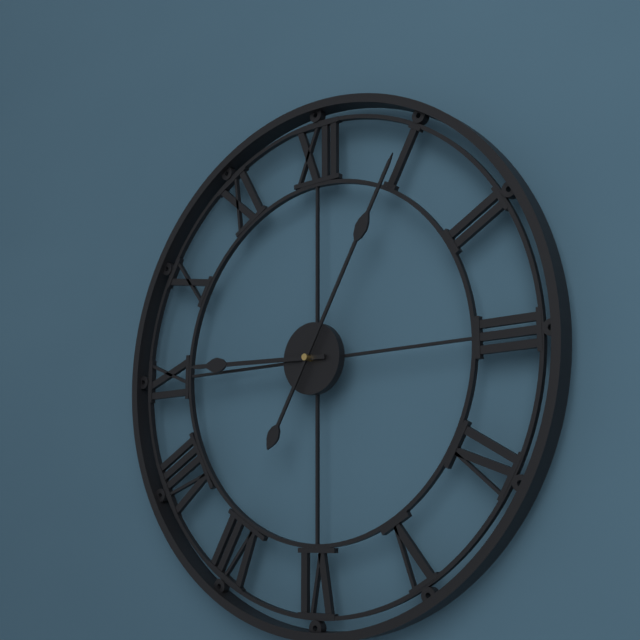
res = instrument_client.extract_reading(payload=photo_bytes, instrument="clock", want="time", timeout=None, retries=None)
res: 9:05
